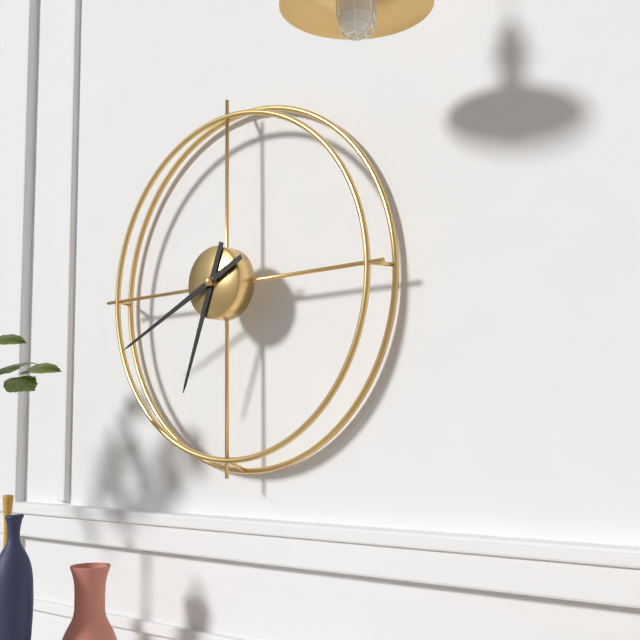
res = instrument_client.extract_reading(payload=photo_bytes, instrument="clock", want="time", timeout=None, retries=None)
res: 6:41
